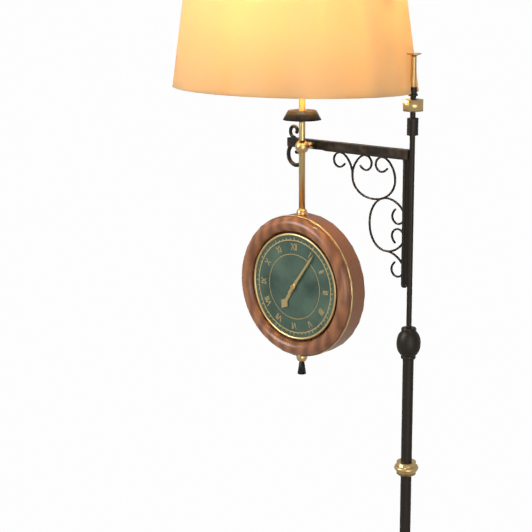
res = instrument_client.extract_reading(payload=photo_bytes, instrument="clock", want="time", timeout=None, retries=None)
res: 7:06
